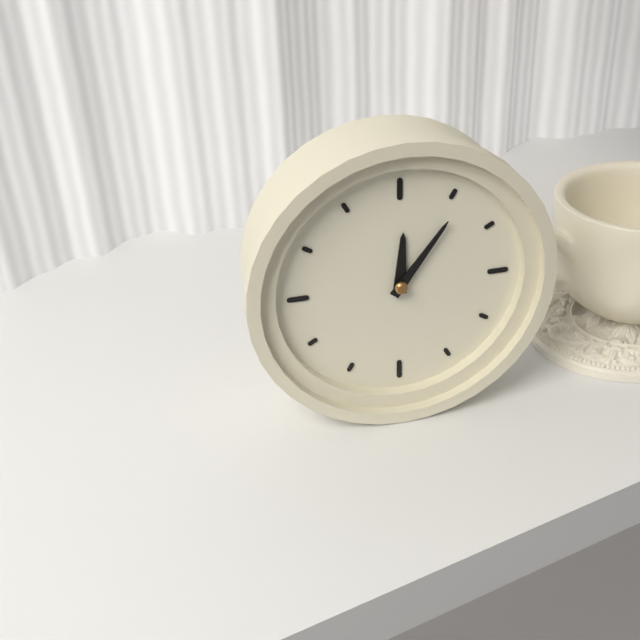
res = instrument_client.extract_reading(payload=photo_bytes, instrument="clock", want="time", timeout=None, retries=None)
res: 12:06
